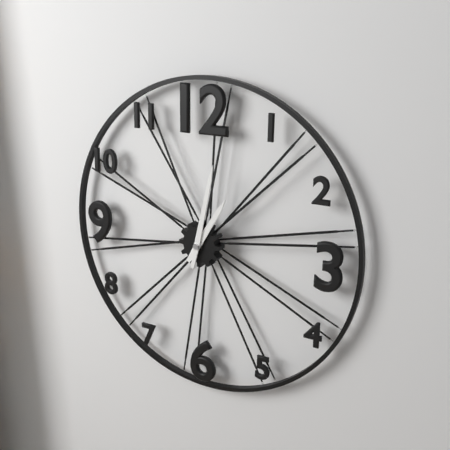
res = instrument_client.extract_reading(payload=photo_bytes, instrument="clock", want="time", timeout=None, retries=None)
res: 1:02
